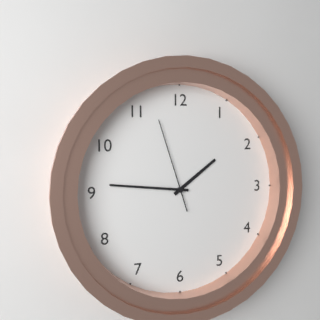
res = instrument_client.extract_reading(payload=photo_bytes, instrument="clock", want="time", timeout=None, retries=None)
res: 1:46:57
